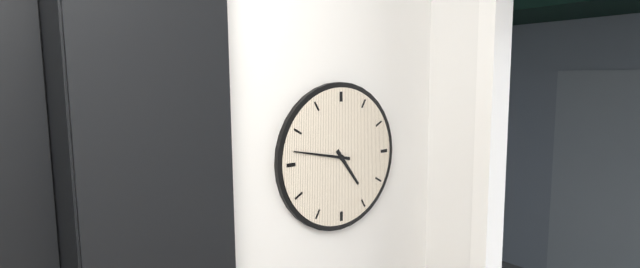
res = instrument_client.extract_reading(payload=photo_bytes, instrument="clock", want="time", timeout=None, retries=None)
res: 4:47
